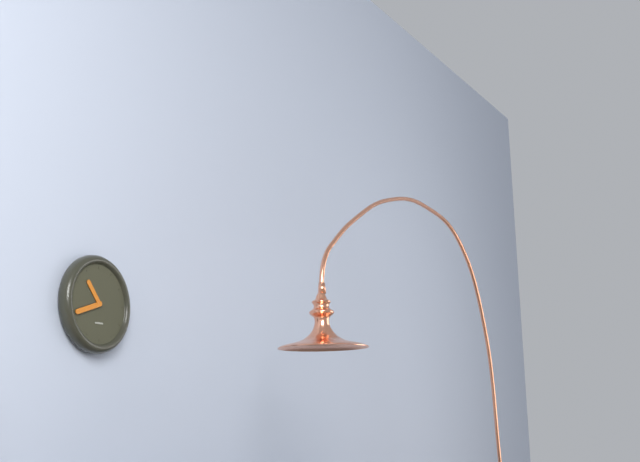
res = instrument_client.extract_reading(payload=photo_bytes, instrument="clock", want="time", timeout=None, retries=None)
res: 10:42
